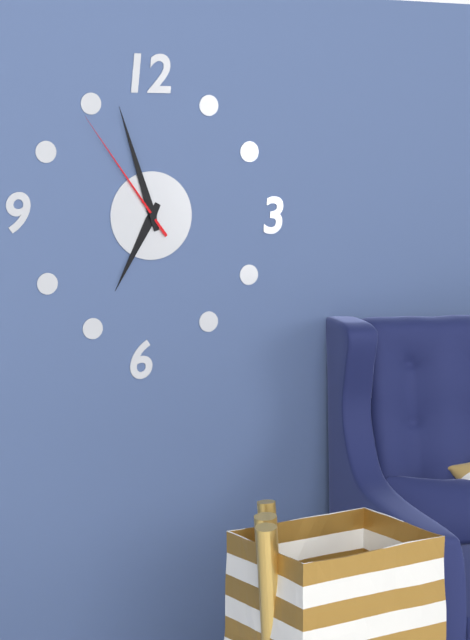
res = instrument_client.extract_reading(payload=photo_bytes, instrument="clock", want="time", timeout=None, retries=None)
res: 6:57:54
